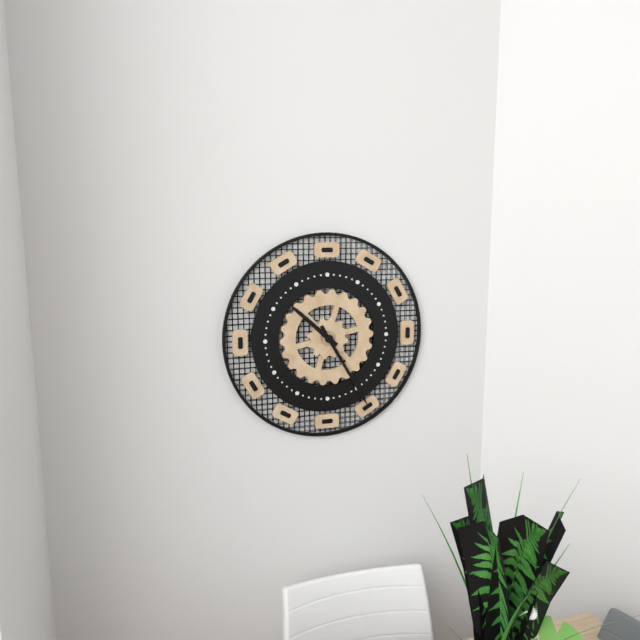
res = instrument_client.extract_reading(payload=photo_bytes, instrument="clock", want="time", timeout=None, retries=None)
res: 10:25
